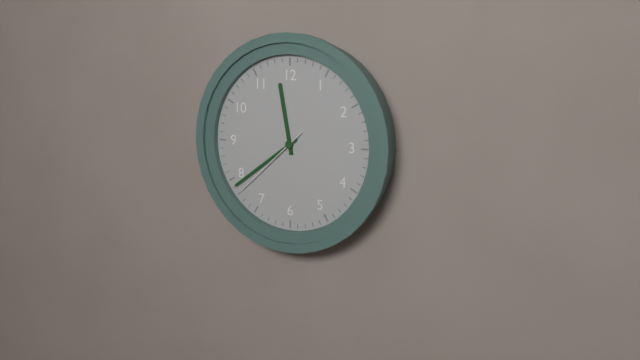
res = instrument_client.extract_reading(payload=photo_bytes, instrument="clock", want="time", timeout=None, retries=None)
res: 11:39:38
